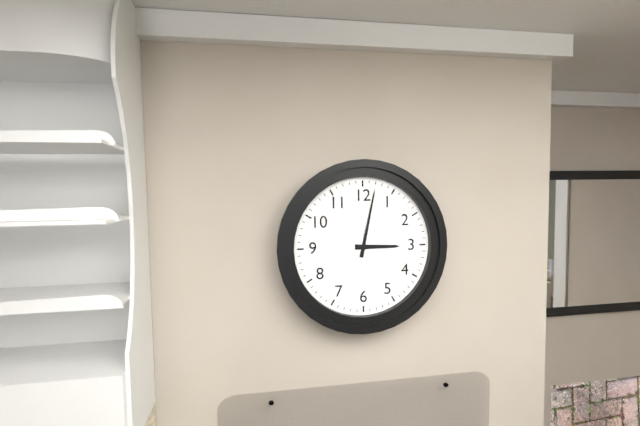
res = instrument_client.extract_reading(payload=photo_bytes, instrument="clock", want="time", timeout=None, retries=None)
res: 3:02
